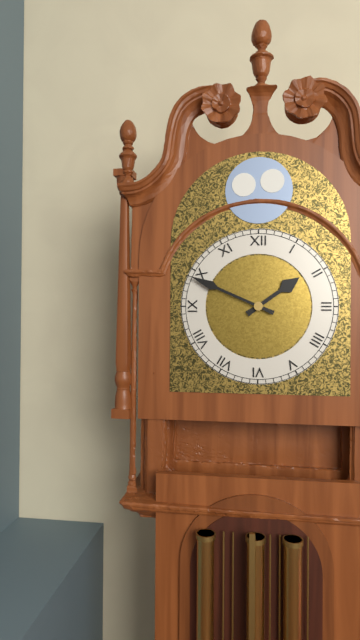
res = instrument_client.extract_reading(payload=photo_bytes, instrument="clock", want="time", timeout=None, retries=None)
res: 1:49
